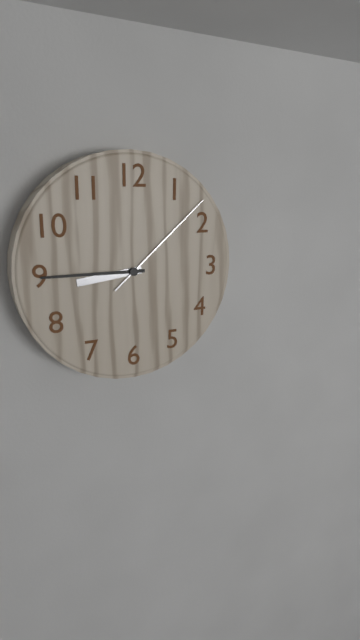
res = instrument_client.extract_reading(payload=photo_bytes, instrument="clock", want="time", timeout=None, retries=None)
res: 8:45:08
